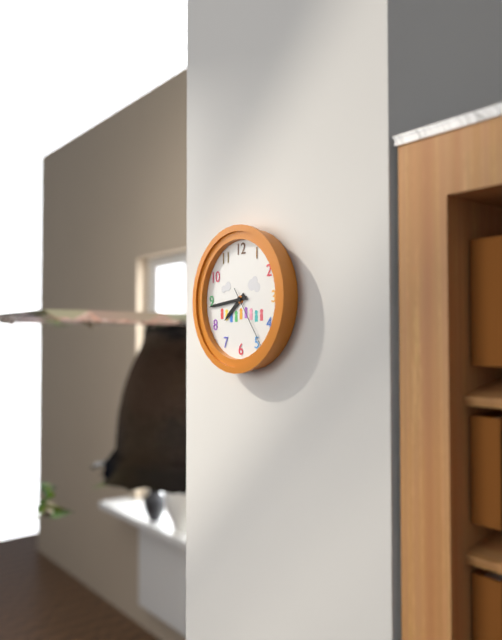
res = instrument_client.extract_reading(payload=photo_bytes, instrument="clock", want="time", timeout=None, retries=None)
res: 7:44:24
